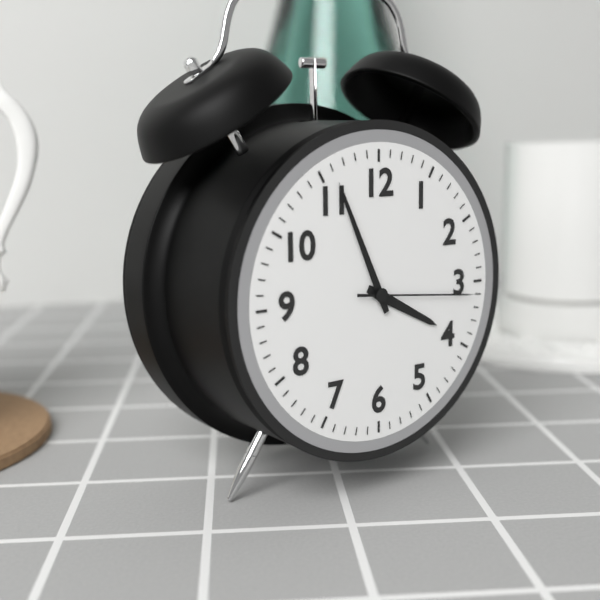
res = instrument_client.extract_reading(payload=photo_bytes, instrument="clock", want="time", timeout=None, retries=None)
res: 3:56:16
